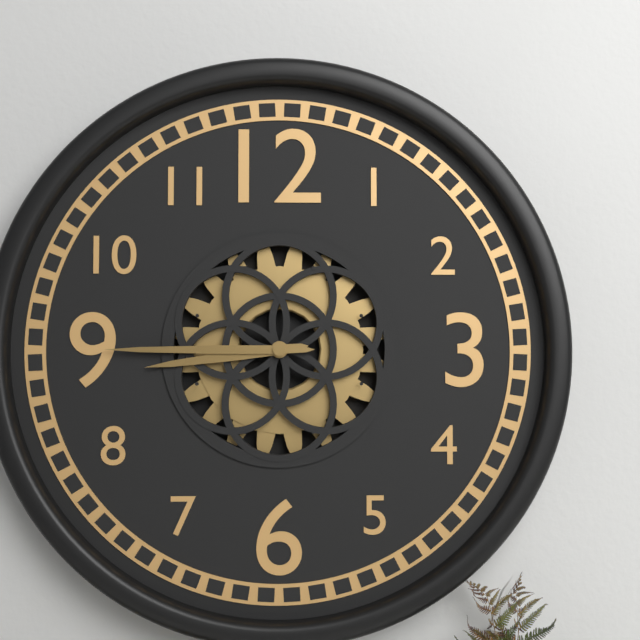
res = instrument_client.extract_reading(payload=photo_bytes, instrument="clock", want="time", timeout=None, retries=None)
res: 8:45
